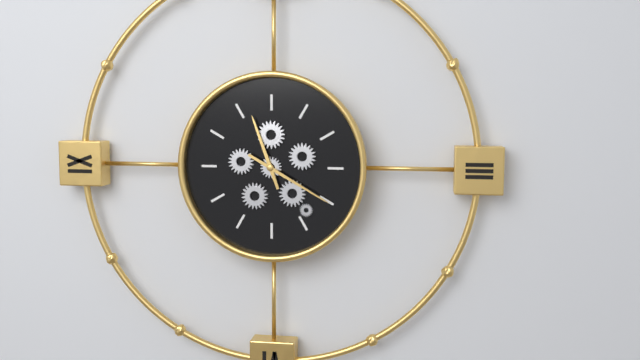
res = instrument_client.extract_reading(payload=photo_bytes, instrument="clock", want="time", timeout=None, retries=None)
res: 11:20
